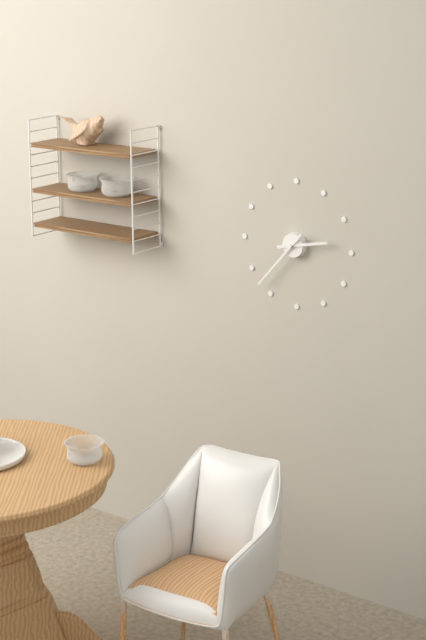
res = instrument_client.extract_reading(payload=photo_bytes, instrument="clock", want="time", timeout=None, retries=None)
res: 2:37
